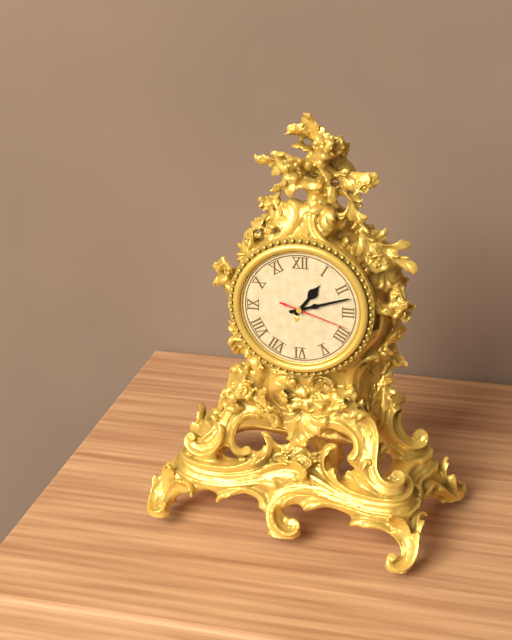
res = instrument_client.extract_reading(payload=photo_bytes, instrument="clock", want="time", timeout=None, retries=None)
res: 1:12:18
